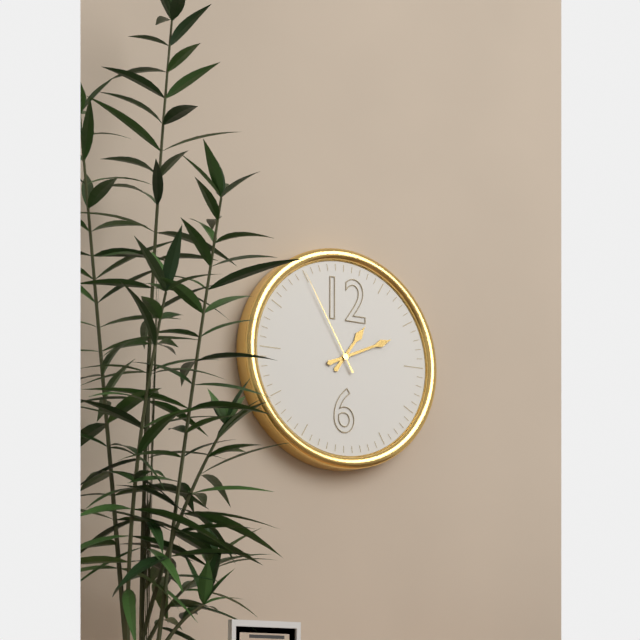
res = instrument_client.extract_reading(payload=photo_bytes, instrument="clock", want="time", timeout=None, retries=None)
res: 1:11:55
